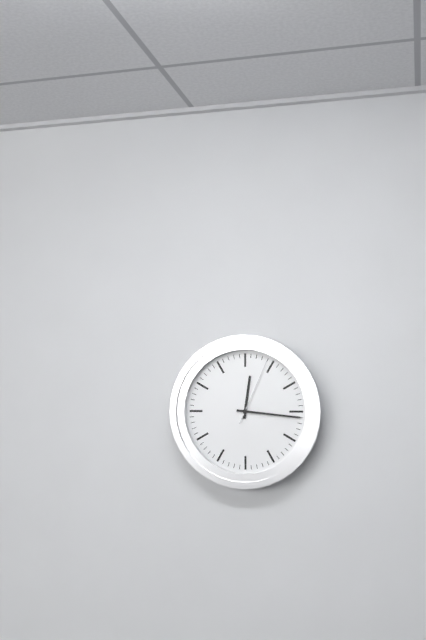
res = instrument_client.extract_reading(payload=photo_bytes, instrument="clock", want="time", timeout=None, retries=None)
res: 12:16:04
